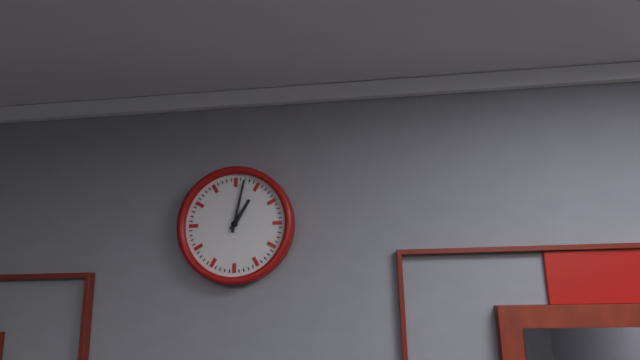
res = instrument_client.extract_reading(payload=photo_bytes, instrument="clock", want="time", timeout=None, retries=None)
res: 1:02
